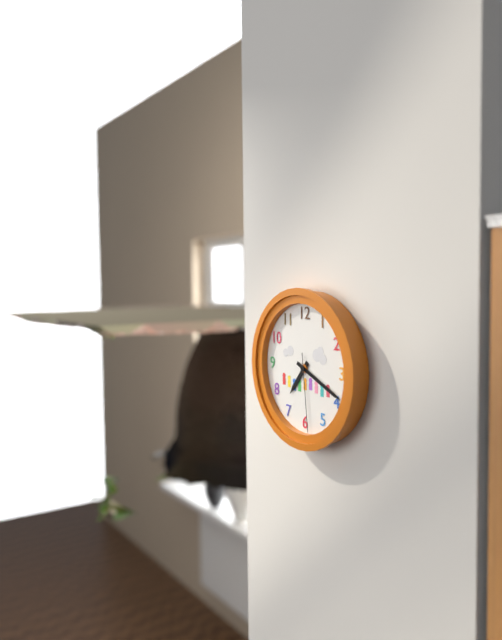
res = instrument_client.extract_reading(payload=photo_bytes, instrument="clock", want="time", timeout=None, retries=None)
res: 7:19:29
